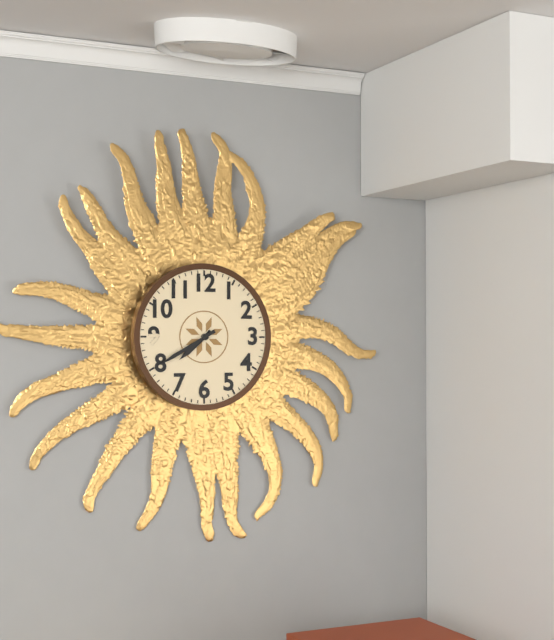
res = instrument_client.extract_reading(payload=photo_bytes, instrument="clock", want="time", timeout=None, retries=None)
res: 7:40
